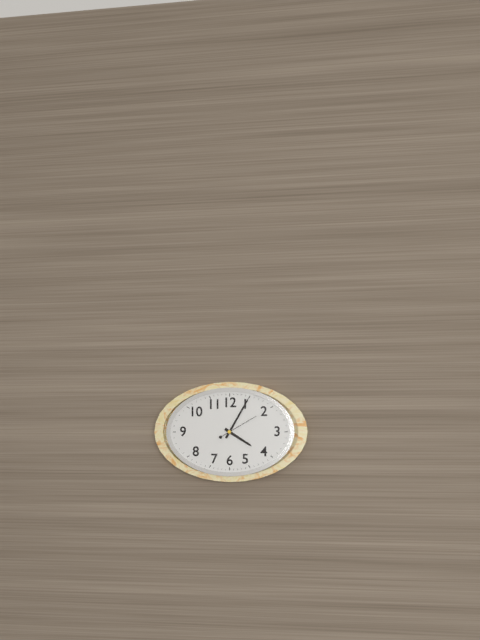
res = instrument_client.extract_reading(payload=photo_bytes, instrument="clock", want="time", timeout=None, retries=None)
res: 4:05
